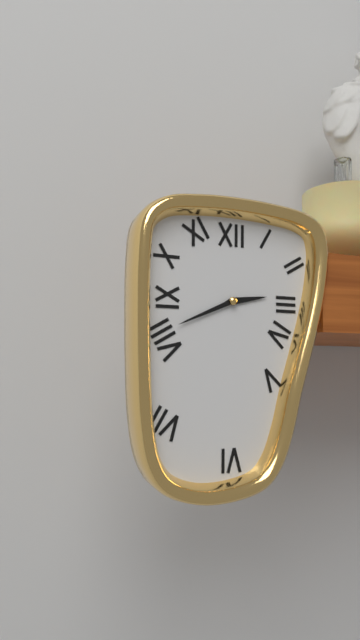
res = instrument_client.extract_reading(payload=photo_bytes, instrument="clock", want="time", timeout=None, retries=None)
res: 2:41
